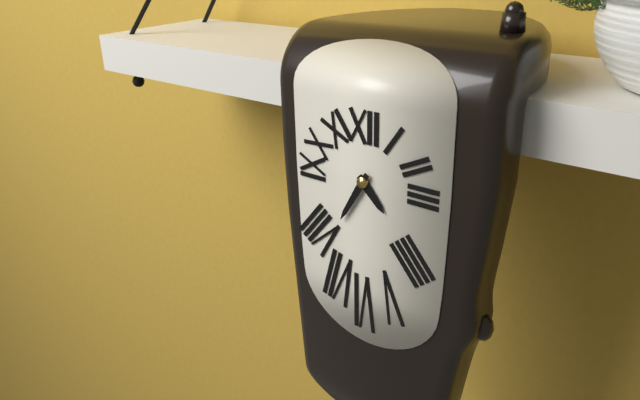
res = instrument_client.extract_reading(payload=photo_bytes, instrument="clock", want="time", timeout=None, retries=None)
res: 4:35
